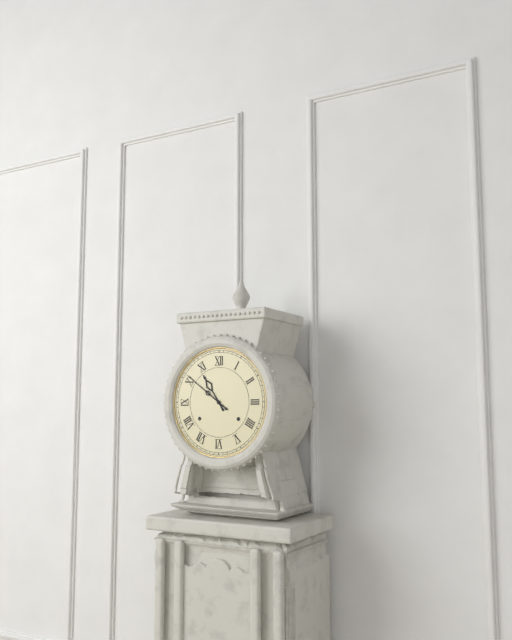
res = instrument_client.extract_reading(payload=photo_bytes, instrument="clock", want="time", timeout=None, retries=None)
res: 10:51
